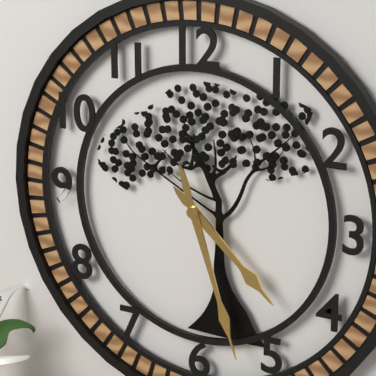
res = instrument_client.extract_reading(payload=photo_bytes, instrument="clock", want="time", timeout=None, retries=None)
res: 4:27
